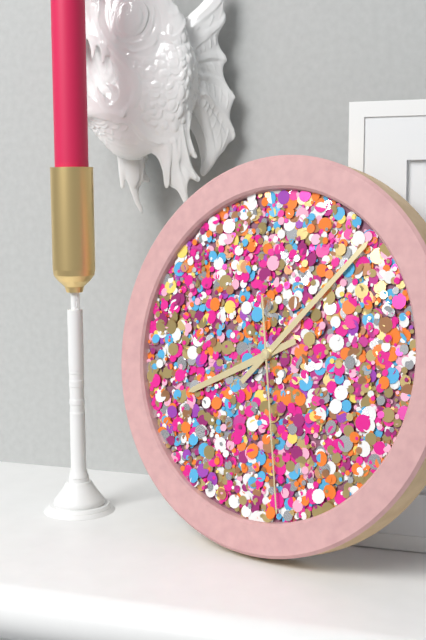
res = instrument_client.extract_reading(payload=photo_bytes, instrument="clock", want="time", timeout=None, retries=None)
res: 8:07:28
